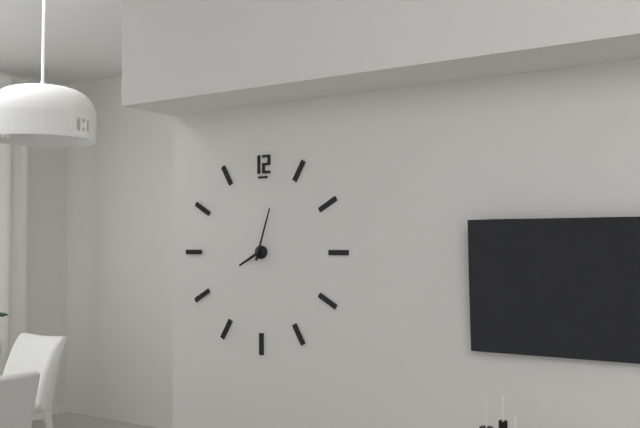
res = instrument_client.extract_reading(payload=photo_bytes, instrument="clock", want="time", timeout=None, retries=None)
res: 8:03
